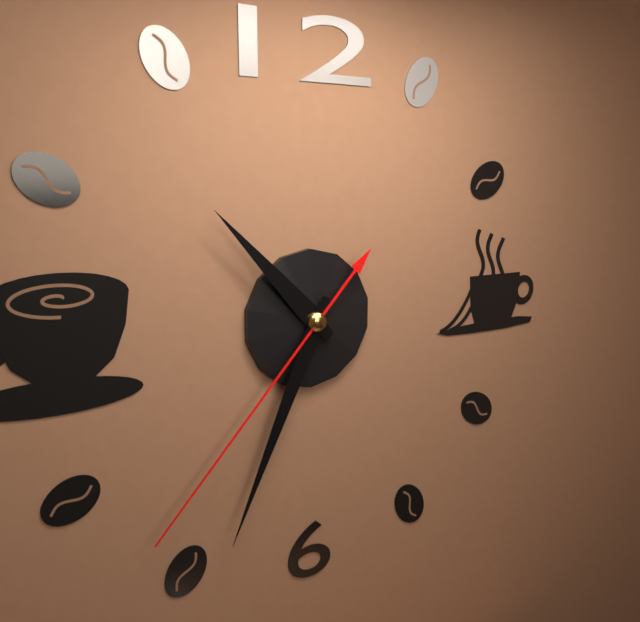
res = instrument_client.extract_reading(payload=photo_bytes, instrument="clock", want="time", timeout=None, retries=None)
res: 10:34:37
